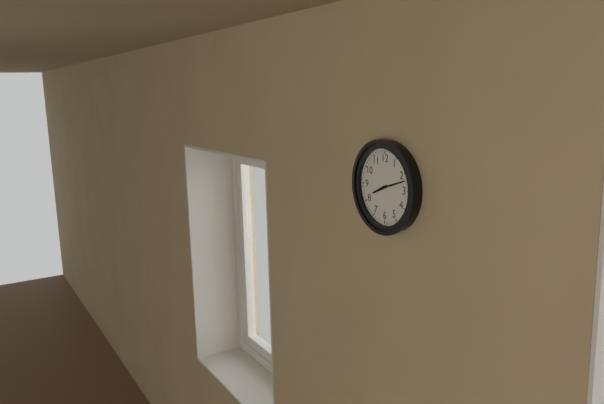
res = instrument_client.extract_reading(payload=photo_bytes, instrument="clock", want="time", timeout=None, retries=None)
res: 8:12
